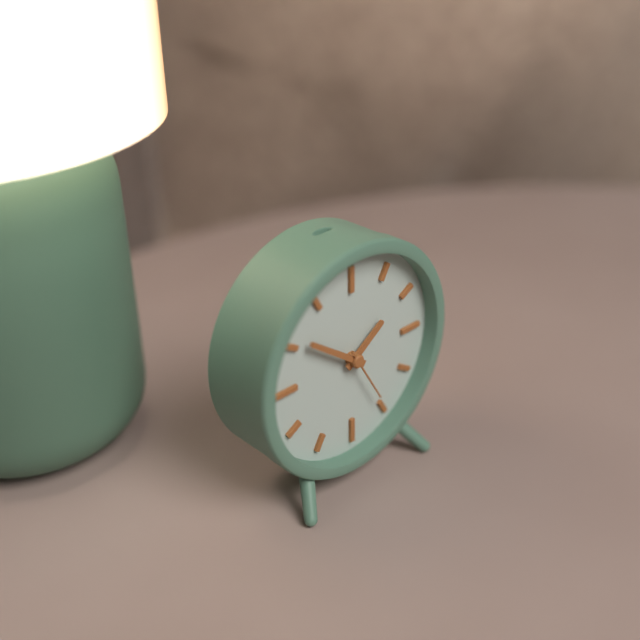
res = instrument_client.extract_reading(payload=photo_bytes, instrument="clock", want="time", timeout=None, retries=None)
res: 1:51:25
